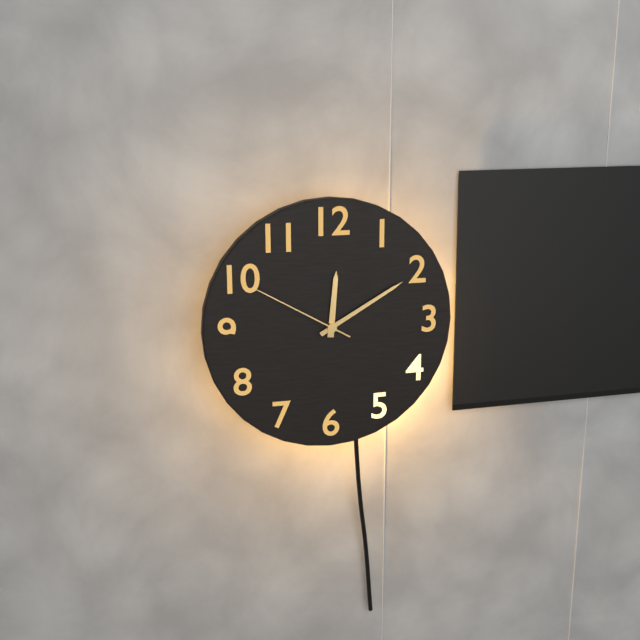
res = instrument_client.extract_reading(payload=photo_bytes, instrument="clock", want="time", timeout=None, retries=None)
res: 12:10:50
